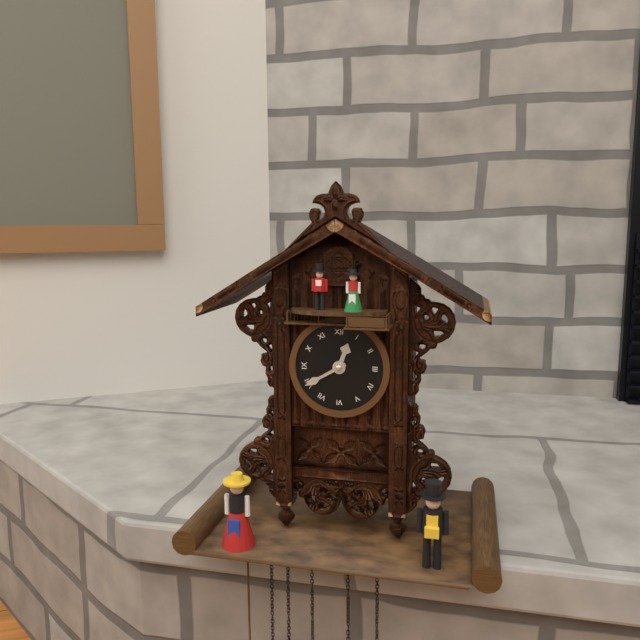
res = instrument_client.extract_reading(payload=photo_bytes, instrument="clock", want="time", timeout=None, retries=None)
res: 12:40
